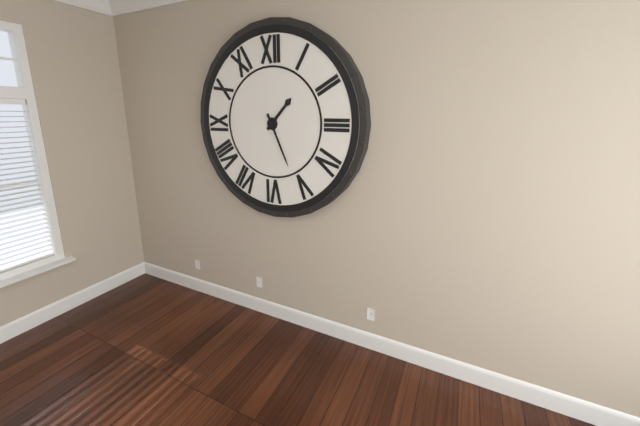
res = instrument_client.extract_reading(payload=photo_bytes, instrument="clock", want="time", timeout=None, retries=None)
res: 1:26
